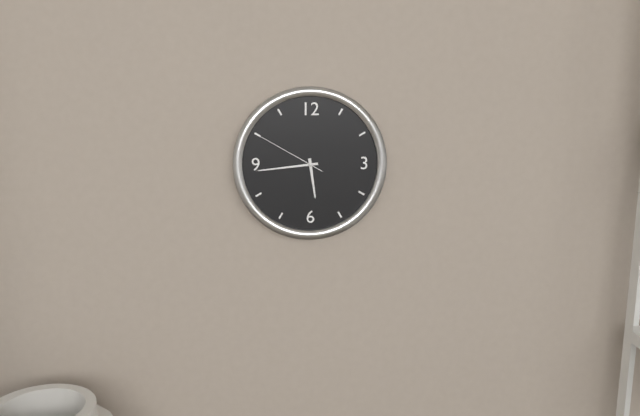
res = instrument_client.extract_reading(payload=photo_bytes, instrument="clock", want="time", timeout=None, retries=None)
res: 5:44:50
